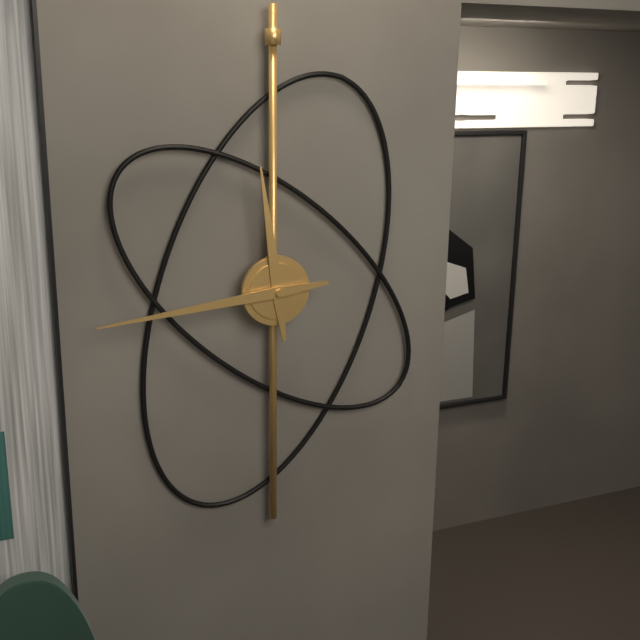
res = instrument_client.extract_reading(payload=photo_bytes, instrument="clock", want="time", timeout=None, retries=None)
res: 11:44
